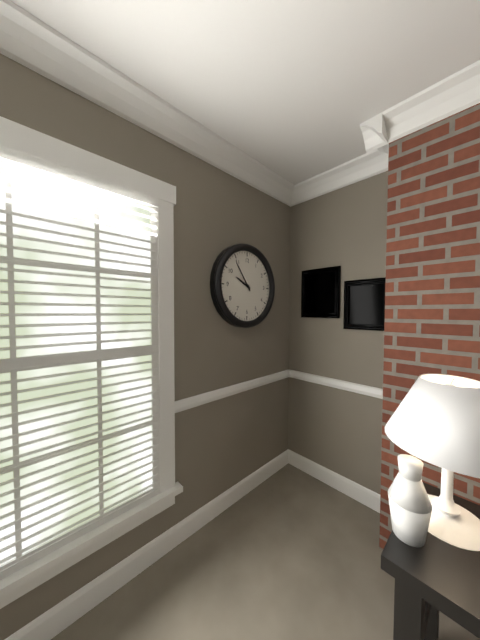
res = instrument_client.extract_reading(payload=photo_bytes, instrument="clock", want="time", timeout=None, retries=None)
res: 9:54
